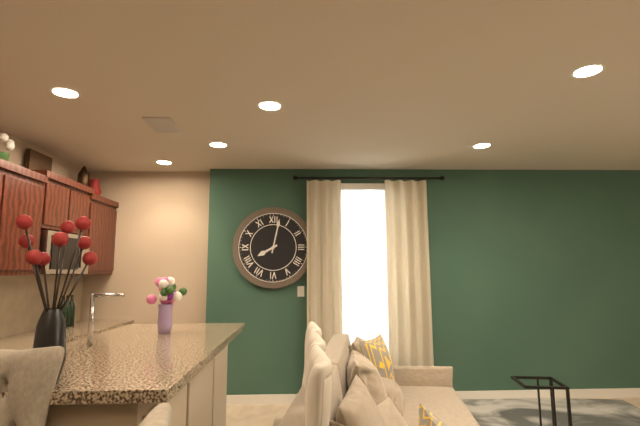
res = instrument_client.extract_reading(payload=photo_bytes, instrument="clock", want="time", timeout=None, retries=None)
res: 8:02
